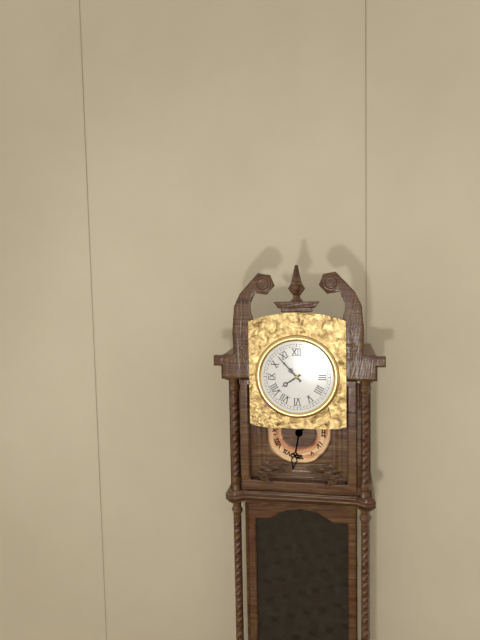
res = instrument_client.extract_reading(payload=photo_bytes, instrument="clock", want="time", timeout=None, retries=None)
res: 7:53
